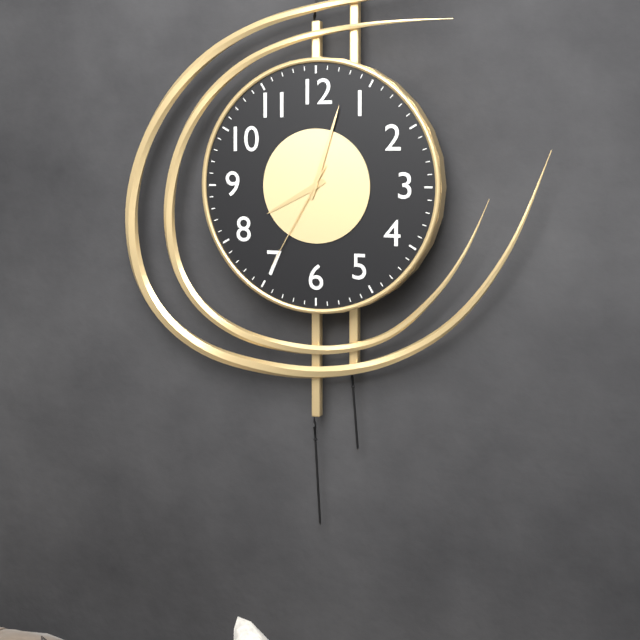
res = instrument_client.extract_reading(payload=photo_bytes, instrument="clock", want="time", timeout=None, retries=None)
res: 8:03:35
